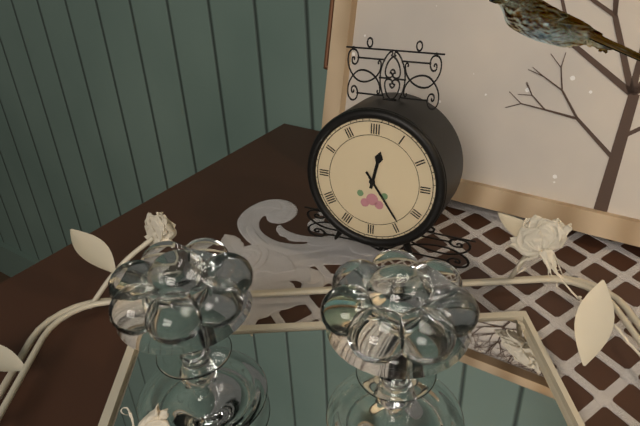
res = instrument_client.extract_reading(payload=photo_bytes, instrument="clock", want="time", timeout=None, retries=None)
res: 12:24
